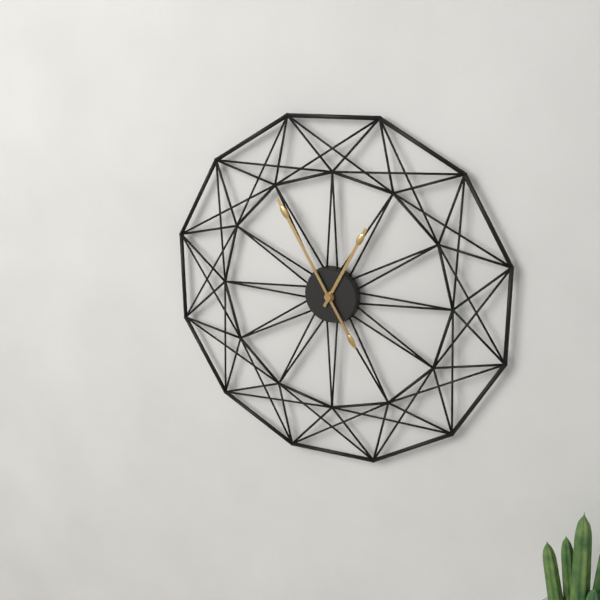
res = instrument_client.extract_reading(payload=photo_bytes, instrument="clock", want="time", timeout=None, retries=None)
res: 12:55
